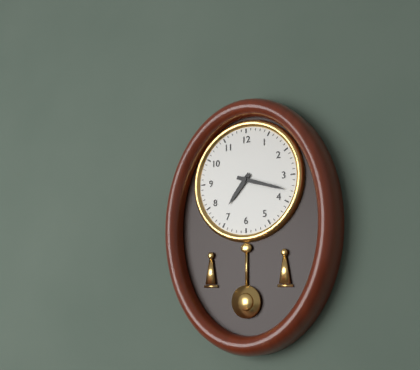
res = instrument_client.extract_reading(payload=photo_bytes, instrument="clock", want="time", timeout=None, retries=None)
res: 7:18
